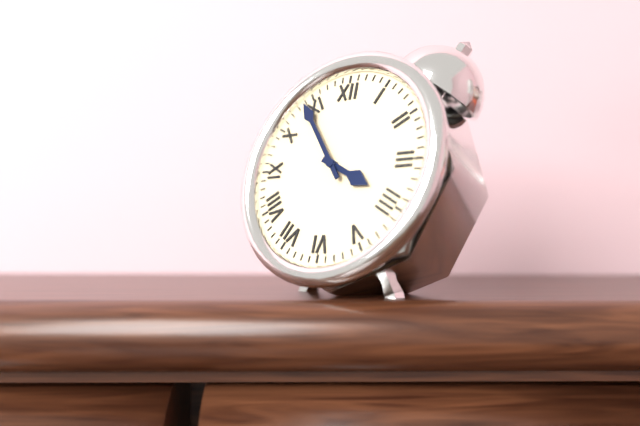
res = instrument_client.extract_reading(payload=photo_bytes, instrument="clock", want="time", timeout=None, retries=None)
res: 3:54
